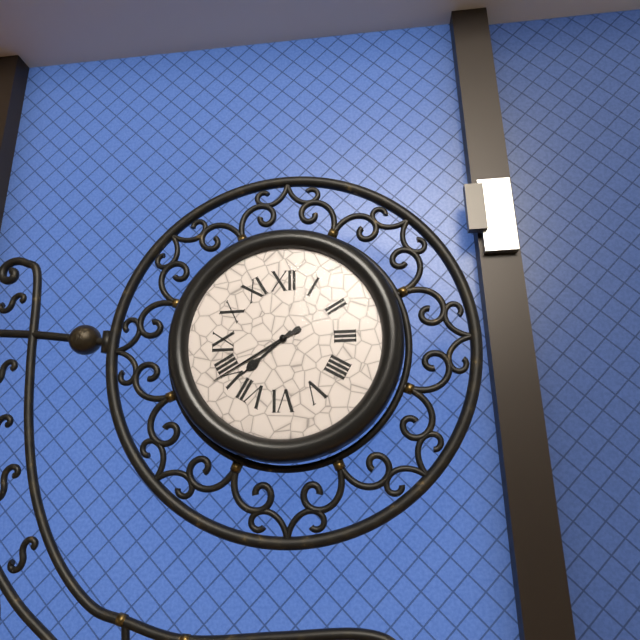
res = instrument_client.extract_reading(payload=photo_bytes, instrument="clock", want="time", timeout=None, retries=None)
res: 7:40
